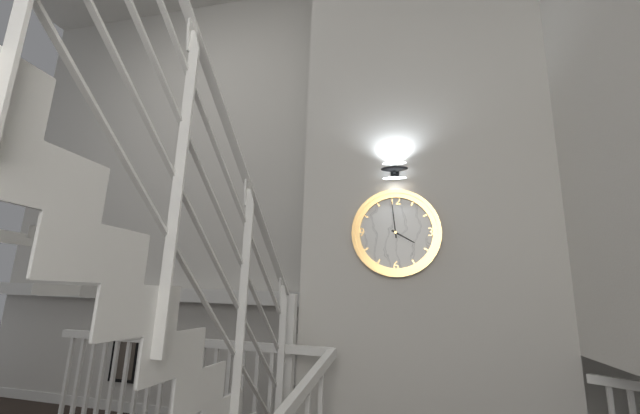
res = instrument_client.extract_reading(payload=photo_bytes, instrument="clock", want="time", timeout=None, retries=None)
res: 3:59
